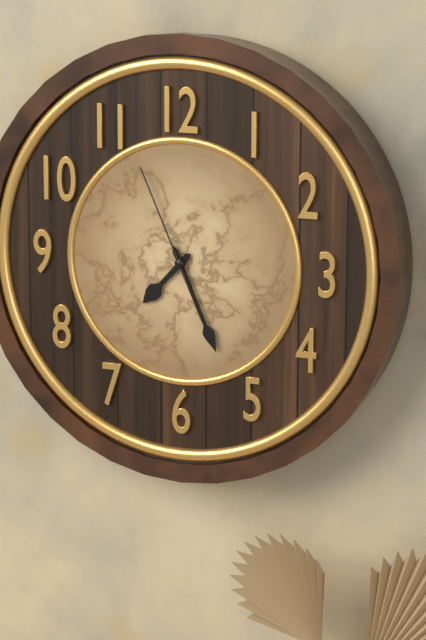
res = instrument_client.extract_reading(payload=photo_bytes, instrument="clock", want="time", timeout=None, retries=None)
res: 7:26:56
